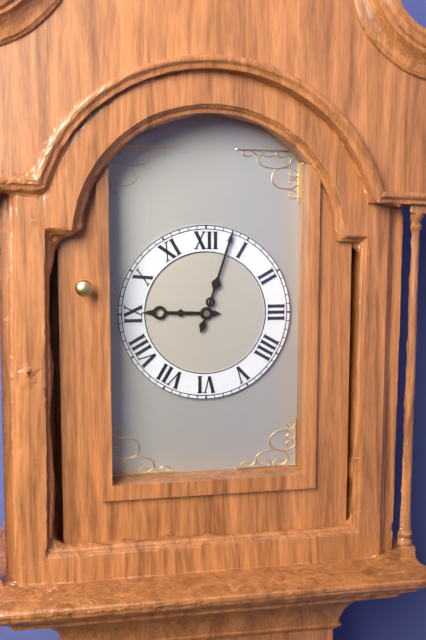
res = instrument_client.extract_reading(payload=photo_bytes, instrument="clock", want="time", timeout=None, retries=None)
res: 9:03
